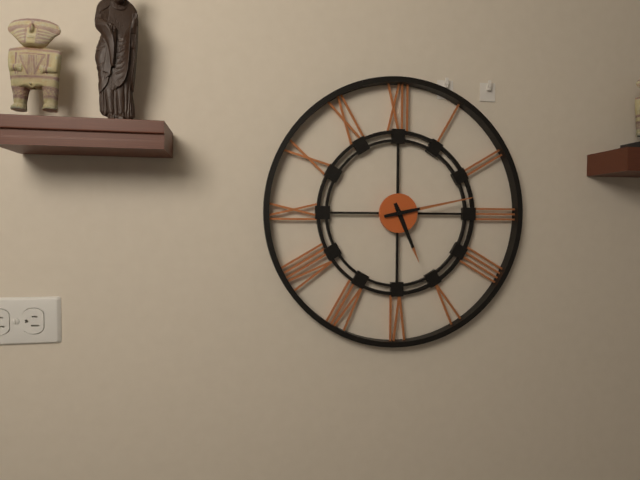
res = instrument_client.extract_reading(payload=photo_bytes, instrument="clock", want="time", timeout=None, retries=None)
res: 5:13
